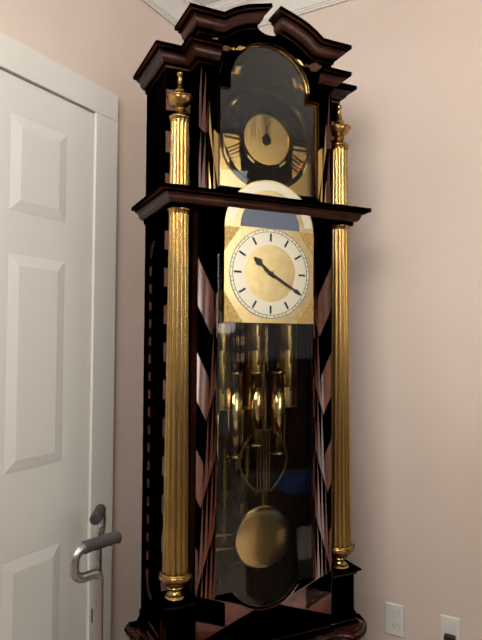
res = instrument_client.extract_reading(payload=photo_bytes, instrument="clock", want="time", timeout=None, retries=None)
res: 10:20
